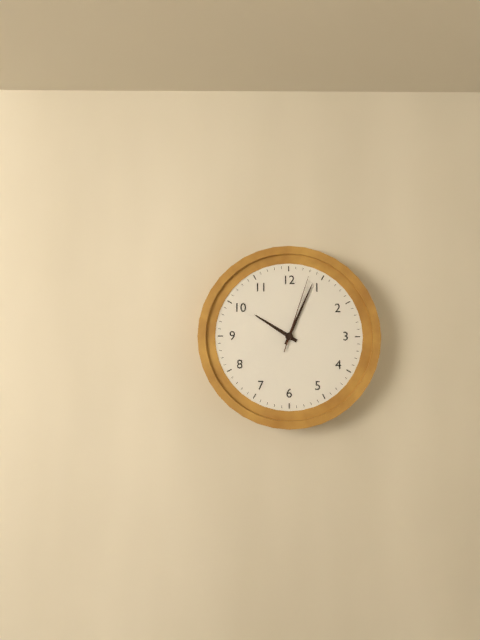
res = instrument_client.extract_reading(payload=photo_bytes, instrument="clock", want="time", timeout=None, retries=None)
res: 10:04:03
